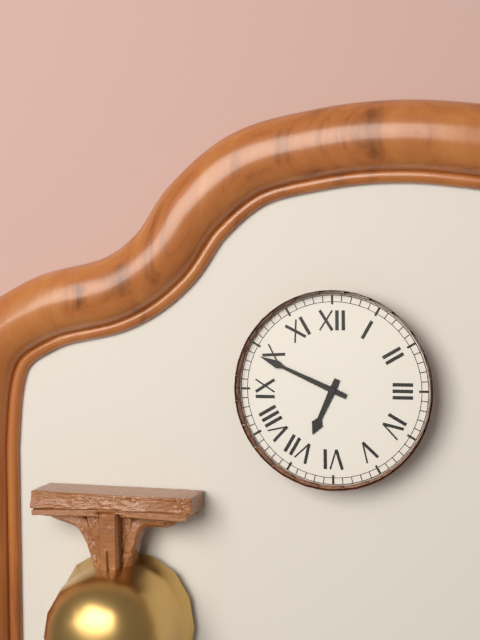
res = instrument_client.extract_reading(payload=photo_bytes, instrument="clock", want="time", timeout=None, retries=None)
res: 6:49
